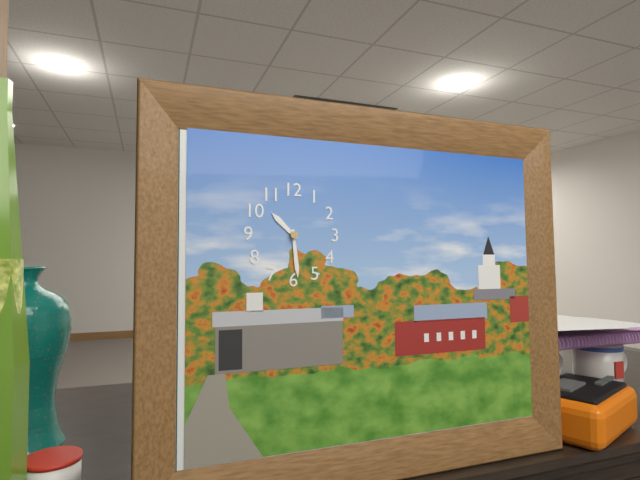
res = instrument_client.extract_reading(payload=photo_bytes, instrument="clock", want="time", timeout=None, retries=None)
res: 10:29
